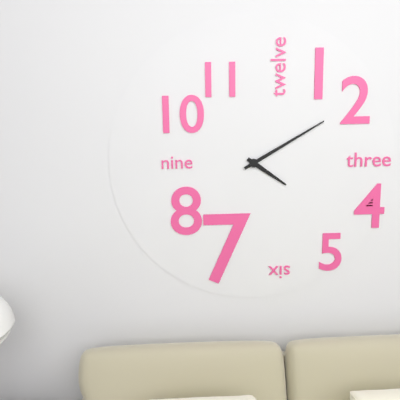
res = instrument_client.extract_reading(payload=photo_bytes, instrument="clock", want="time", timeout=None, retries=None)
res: 4:10
